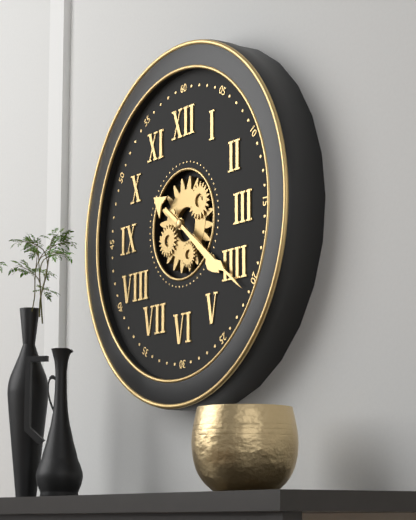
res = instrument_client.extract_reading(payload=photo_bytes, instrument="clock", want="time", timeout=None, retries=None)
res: 4:21
